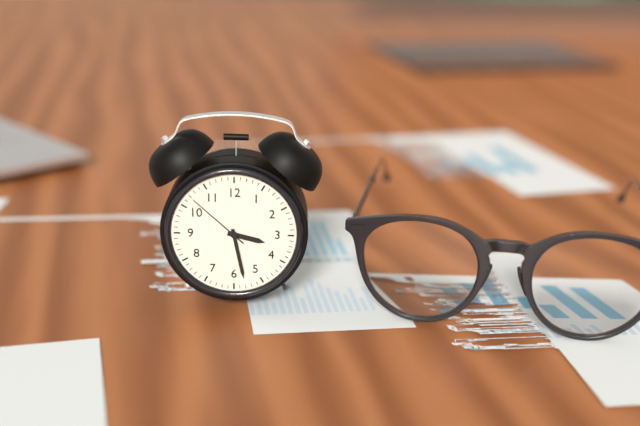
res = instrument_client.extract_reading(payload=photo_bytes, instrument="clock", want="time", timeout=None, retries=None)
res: 3:28:52
